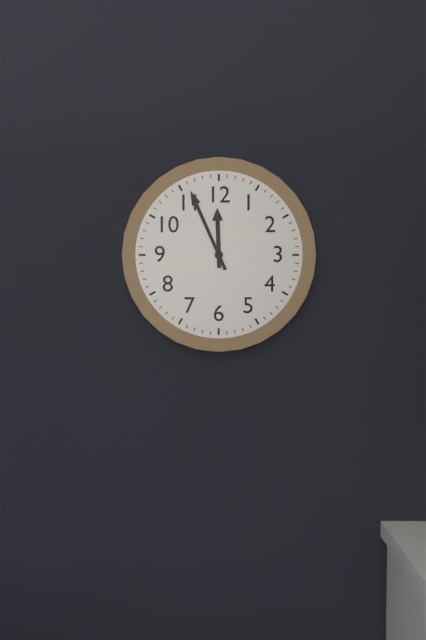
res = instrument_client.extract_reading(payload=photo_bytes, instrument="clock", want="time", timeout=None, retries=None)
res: 11:56
